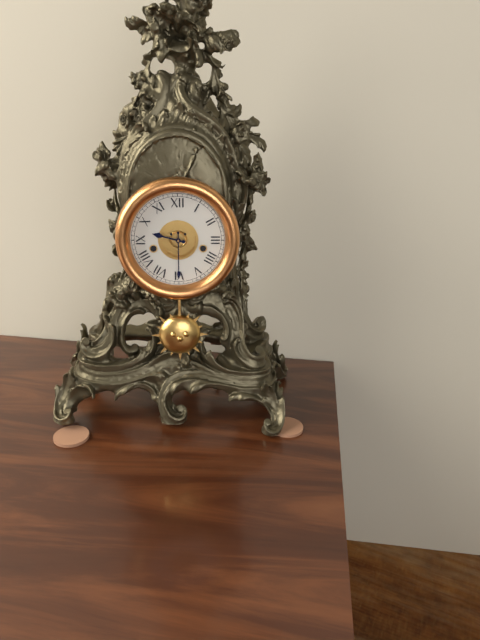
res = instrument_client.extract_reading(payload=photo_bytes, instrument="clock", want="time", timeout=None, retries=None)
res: 9:30
